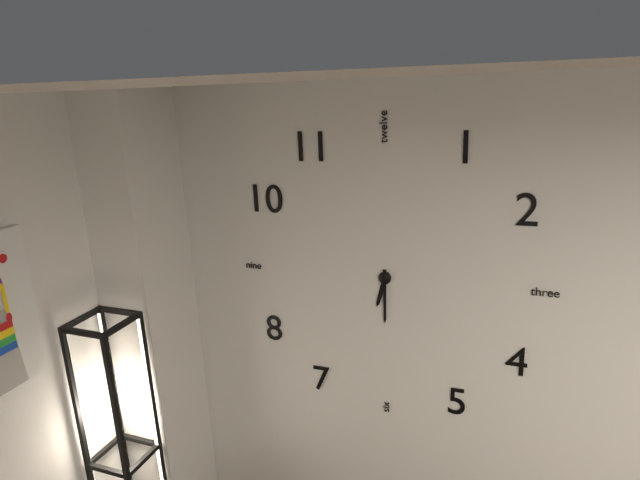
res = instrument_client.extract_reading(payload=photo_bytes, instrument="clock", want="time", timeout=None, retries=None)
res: 6:30
